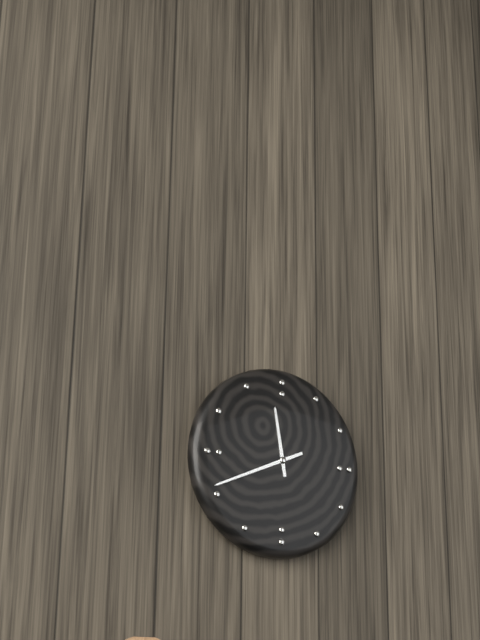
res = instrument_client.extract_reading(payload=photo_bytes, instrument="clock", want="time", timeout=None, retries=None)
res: 11:41
